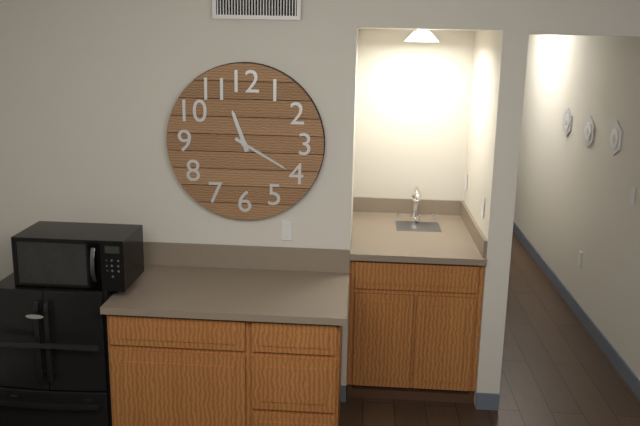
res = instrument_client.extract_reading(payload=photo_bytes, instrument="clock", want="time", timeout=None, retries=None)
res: 11:20
